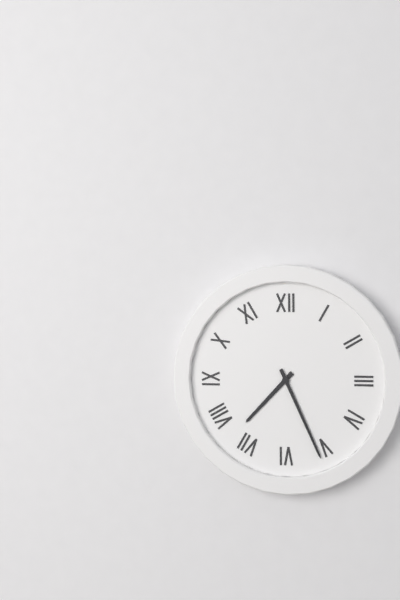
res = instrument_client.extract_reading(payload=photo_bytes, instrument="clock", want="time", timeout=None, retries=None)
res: 7:26
